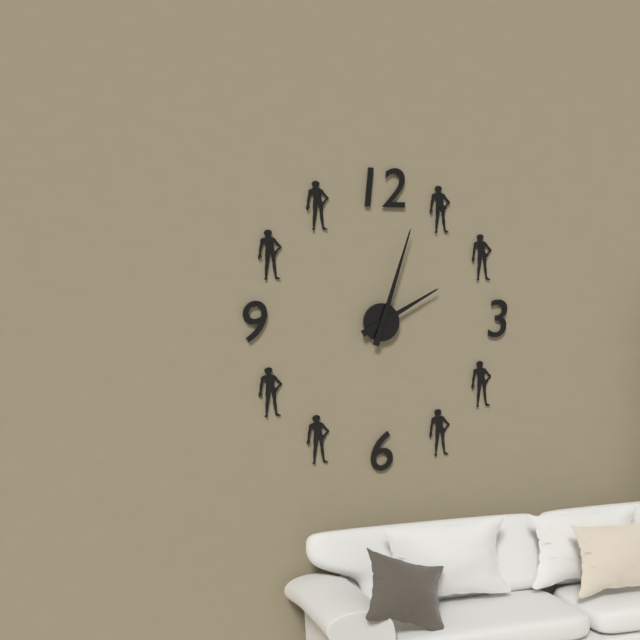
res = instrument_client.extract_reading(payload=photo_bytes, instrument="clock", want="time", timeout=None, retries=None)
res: 2:03
